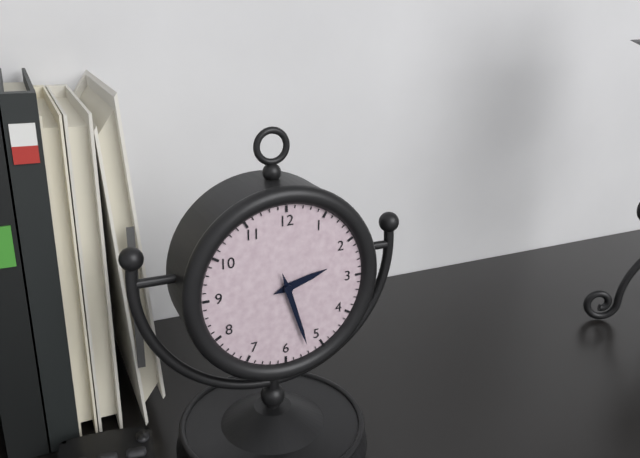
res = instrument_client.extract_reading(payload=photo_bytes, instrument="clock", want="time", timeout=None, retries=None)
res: 2:27
